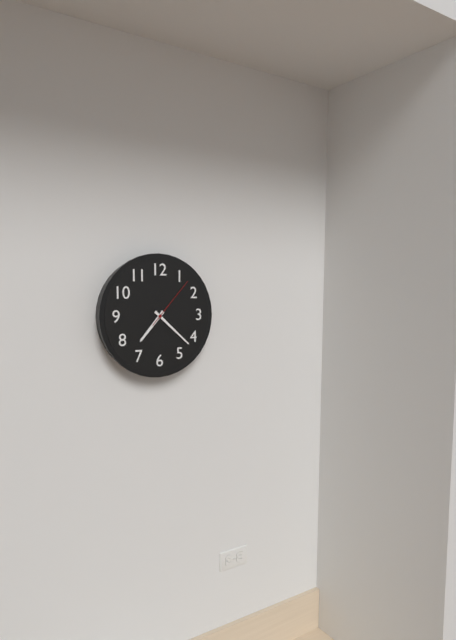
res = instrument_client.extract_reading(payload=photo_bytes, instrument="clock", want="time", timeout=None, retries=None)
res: 7:22:07
